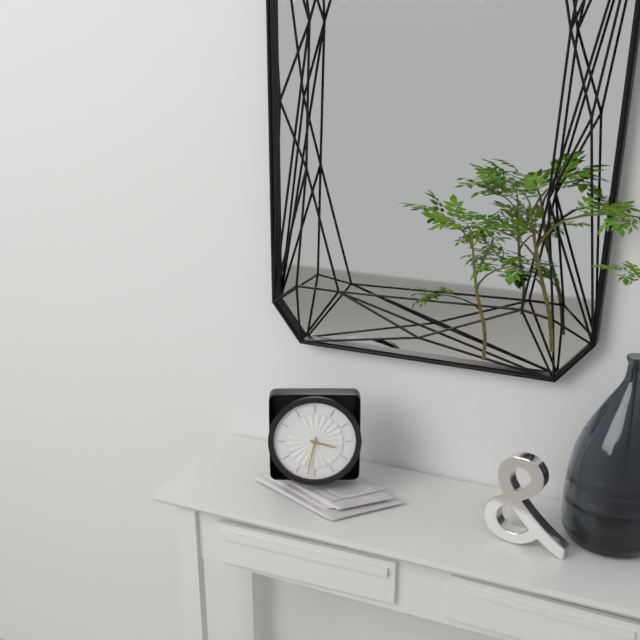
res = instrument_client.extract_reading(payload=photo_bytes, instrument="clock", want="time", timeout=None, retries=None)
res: 3:32
